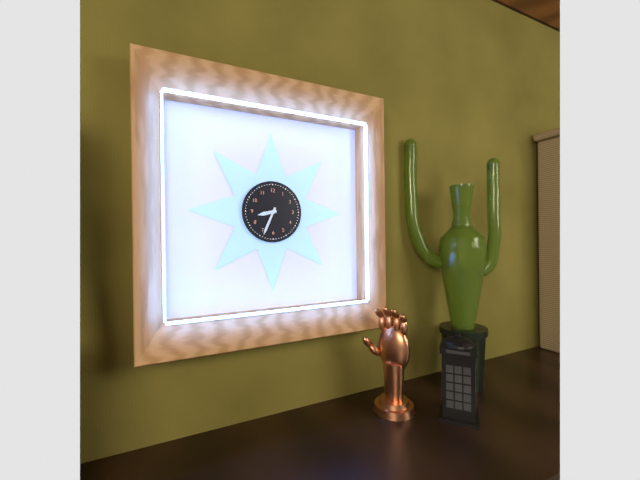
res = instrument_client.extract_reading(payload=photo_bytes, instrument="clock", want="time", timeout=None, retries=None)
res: 8:34
